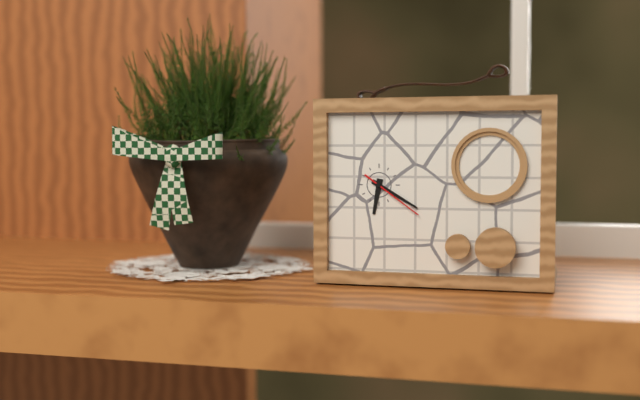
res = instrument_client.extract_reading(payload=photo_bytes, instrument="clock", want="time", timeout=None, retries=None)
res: 6:20:21
